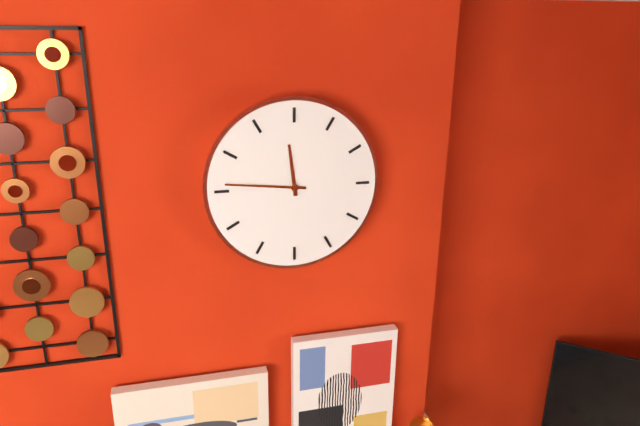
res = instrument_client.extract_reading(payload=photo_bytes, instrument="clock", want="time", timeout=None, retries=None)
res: 11:46
